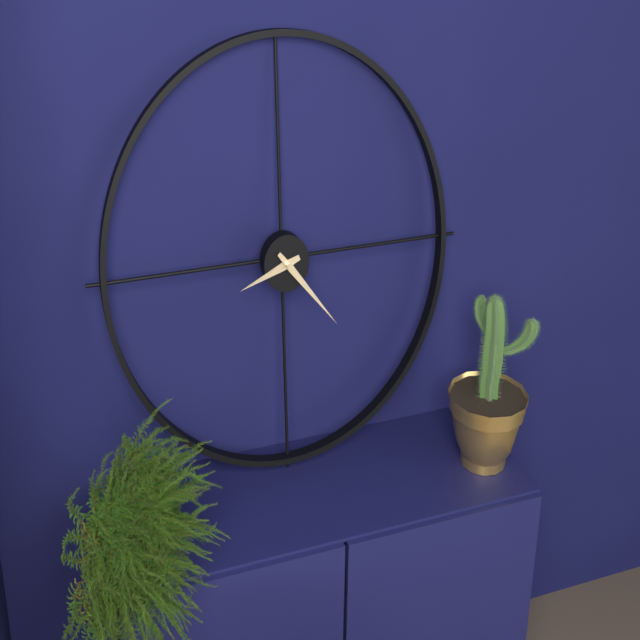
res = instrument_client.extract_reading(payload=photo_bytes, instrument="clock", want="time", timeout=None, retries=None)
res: 8:23
